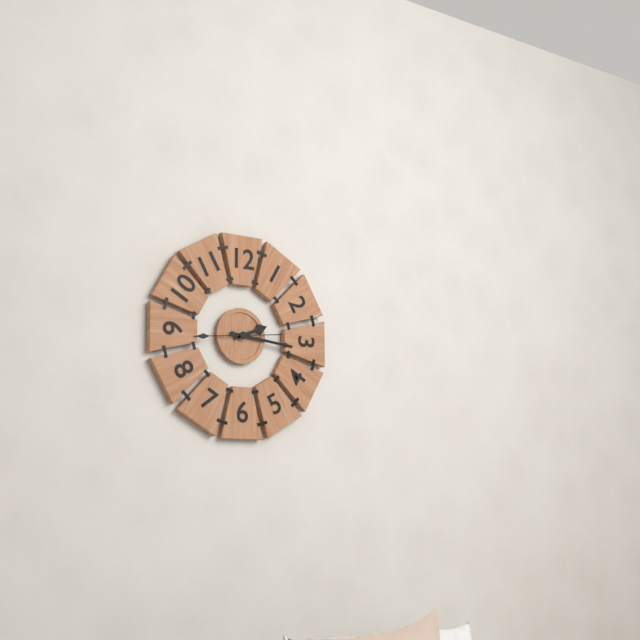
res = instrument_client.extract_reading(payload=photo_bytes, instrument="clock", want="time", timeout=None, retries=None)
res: 2:16:44
